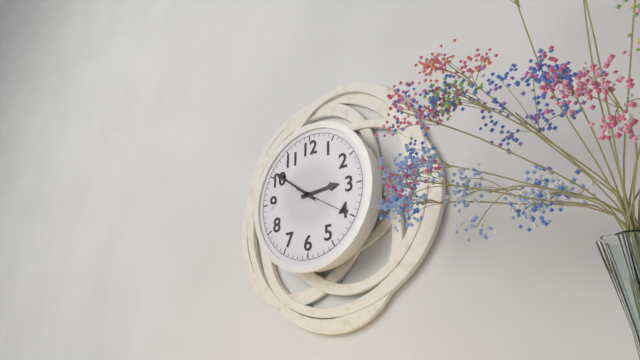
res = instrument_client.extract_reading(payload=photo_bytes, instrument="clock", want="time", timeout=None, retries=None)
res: 2:51
